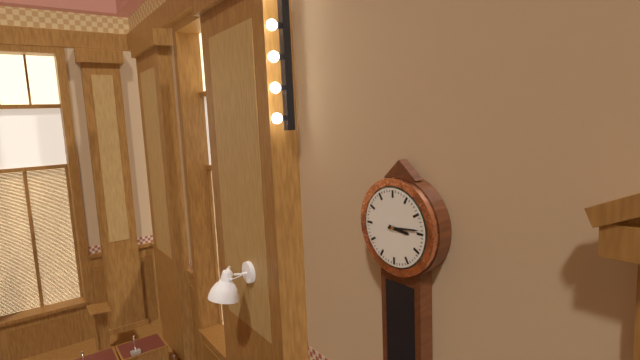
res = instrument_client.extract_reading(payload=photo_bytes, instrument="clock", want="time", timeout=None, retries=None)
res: 3:14
